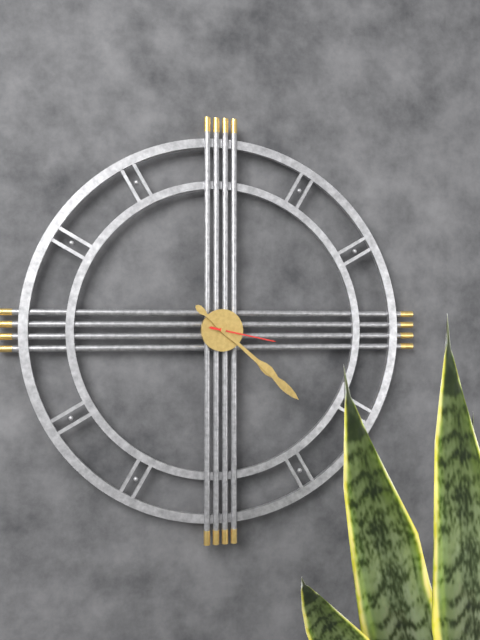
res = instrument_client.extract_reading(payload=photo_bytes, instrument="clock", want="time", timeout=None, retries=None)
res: 4:22:17
